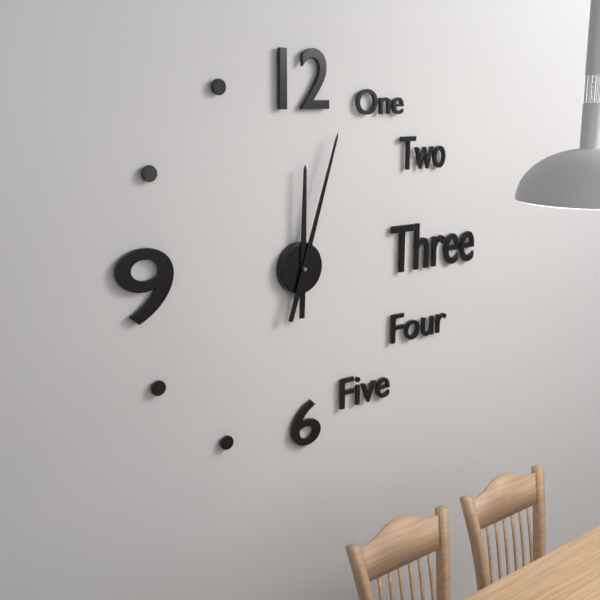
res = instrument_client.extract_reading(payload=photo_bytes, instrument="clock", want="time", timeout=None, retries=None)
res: 12:03
